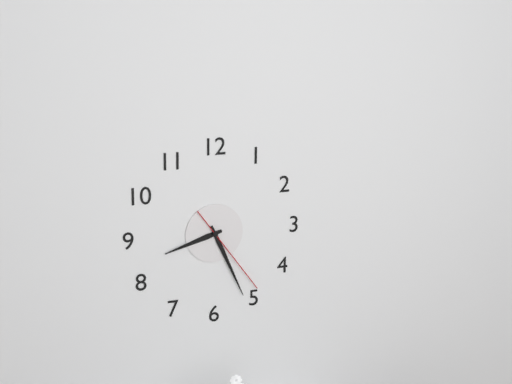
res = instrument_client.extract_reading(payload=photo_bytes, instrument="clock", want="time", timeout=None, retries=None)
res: 8:26:24
